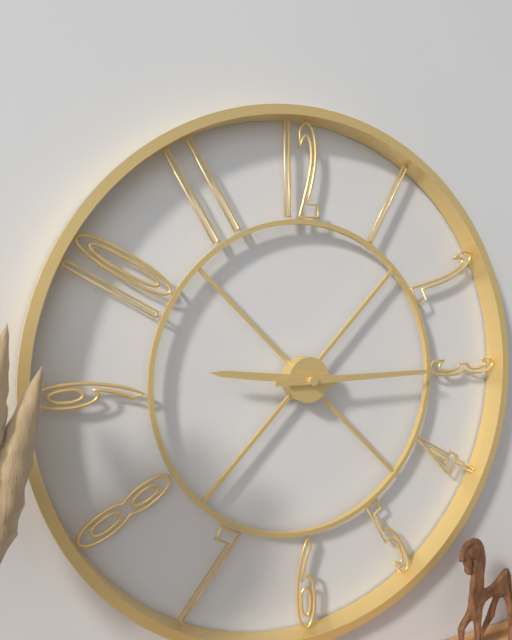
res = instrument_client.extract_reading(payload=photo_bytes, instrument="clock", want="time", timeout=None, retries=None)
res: 9:15
